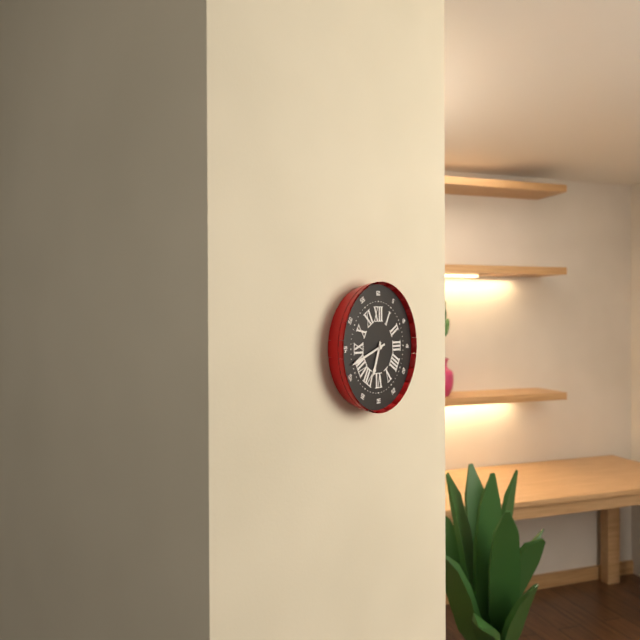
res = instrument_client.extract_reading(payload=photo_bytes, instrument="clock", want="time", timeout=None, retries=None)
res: 6:42
